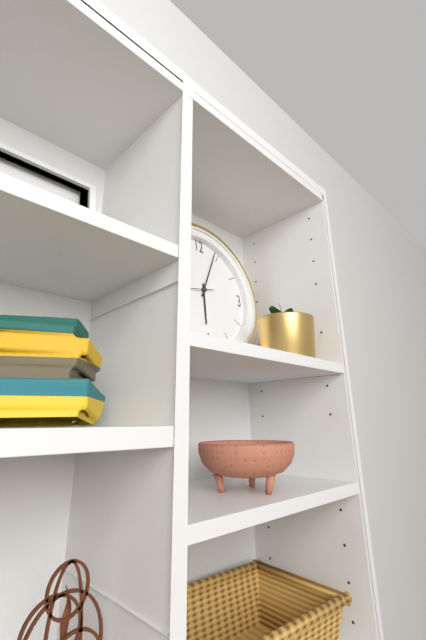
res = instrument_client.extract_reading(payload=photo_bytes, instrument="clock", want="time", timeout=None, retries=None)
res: 6:04
